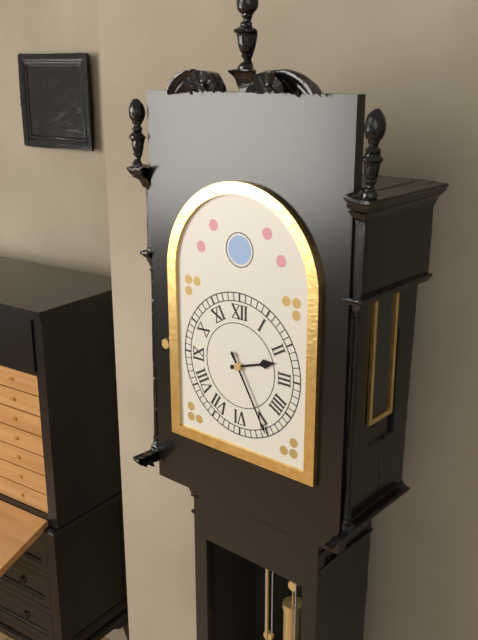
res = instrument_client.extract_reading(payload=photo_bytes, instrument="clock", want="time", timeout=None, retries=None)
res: 2:25
